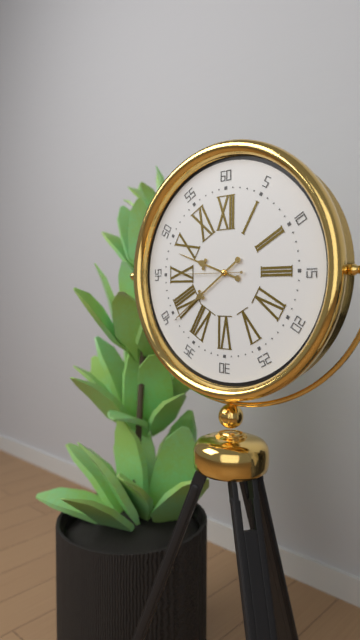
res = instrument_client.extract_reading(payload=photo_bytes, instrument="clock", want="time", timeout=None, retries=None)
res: 9:39:45
